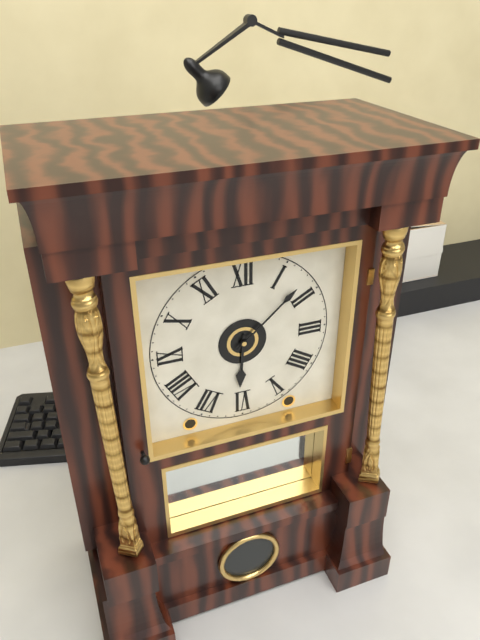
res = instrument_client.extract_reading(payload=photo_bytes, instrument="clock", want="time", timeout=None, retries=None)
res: 6:08
